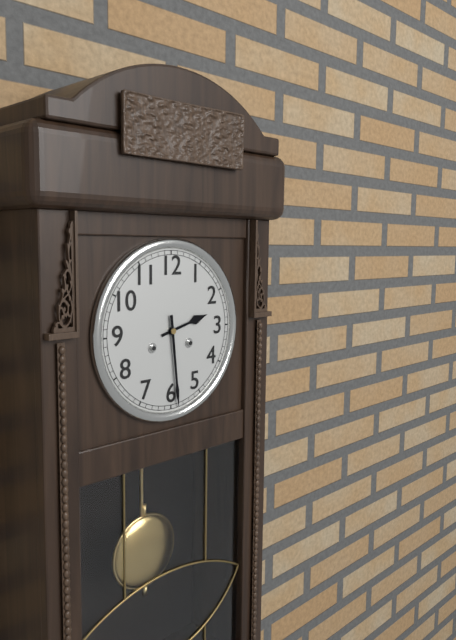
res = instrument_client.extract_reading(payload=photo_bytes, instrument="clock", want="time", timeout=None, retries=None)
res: 2:29
